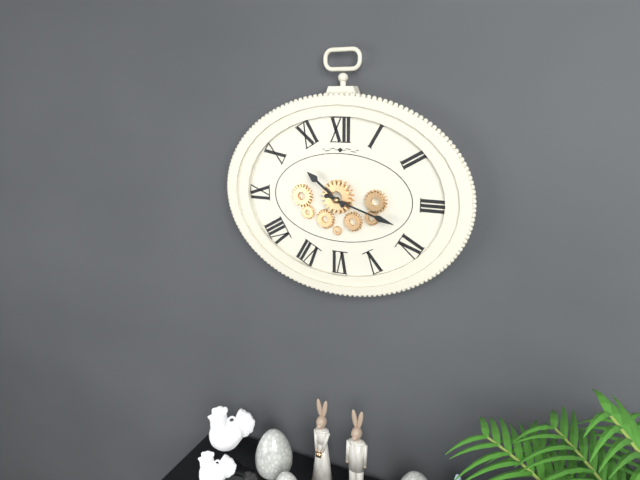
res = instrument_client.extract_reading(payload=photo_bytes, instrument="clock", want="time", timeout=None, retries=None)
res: 10:18
